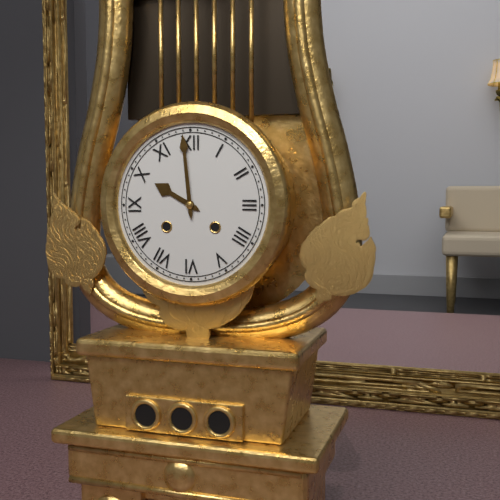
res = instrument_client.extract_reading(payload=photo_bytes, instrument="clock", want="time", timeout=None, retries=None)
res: 9:59
